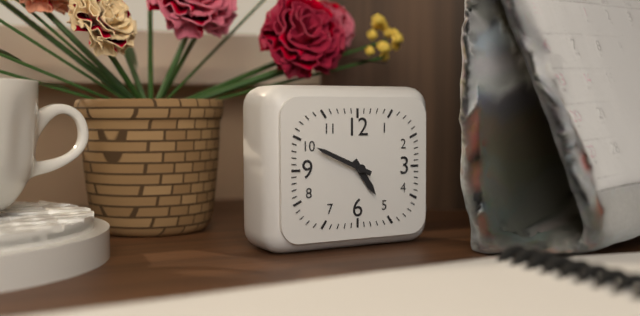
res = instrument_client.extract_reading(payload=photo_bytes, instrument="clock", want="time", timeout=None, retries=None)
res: 4:49
